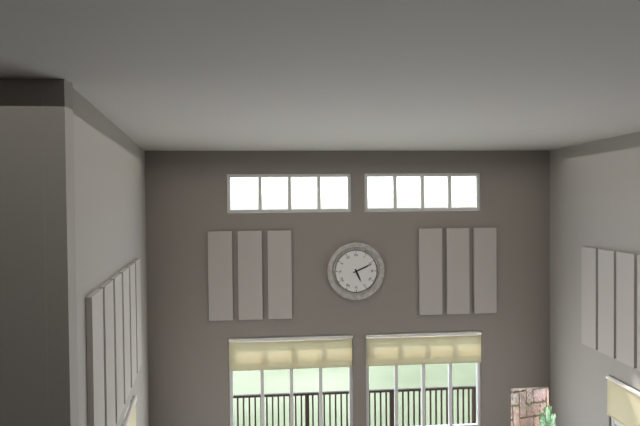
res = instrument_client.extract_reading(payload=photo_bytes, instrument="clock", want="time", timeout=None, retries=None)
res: 5:11
